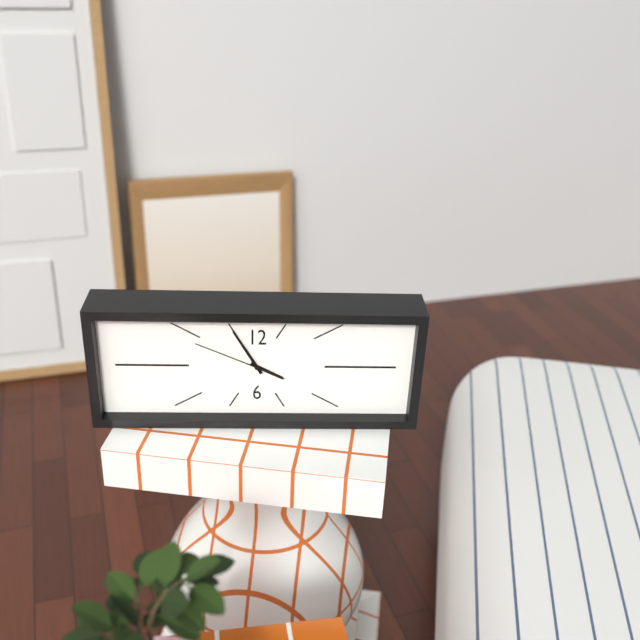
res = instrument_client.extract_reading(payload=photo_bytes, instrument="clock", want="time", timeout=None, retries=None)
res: 3:55:49
